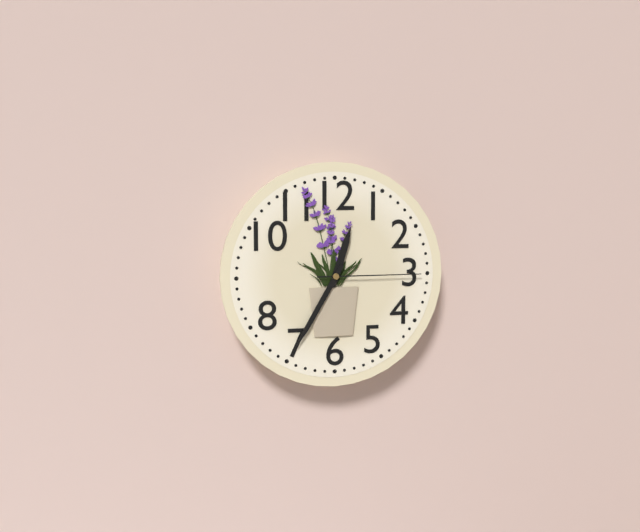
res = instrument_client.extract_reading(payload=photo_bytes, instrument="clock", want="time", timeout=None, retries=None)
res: 12:35:15
